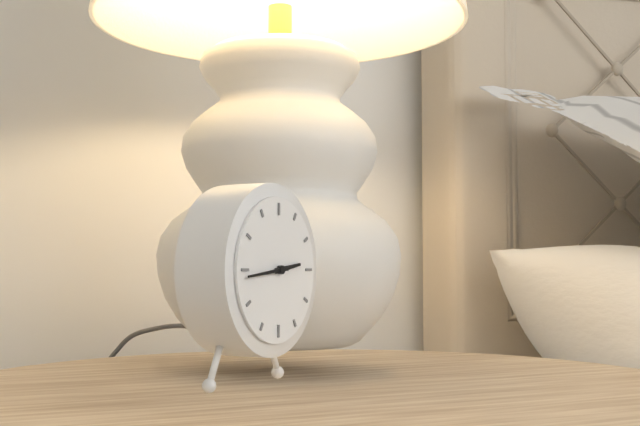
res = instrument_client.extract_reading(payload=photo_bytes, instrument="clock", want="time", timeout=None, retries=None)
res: 2:44
